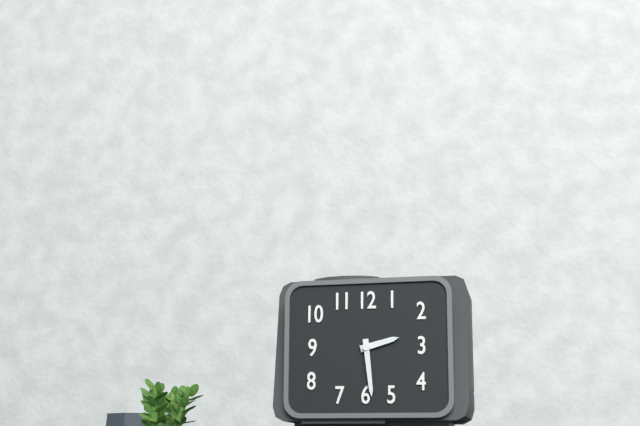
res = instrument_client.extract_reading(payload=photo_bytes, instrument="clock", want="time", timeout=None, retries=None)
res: 2:29
